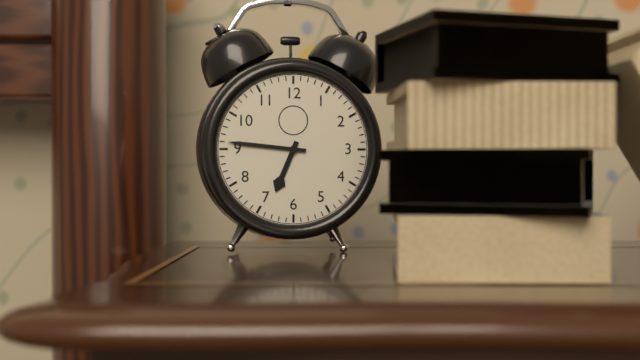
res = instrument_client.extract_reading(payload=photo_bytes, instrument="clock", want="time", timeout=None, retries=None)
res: 6:46
